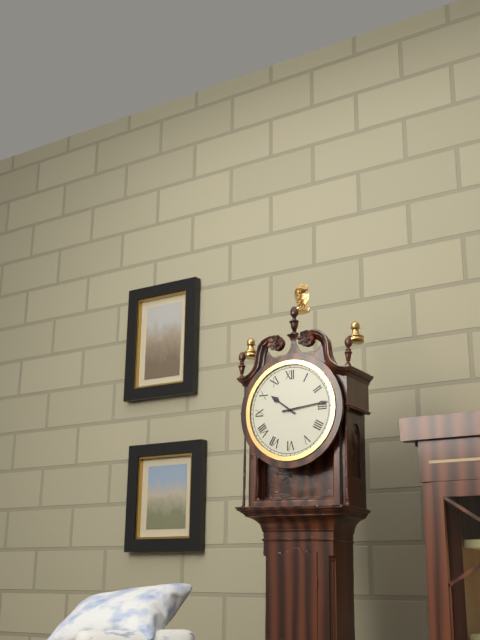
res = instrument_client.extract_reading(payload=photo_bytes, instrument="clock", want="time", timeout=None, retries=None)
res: 10:14
